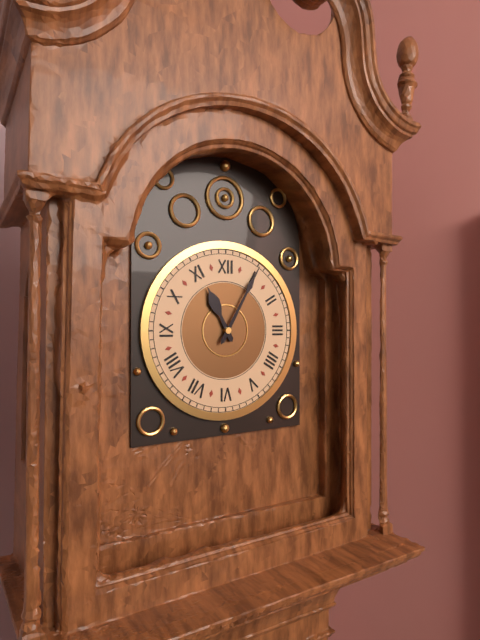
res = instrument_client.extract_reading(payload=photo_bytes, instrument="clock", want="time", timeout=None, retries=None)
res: 11:05
